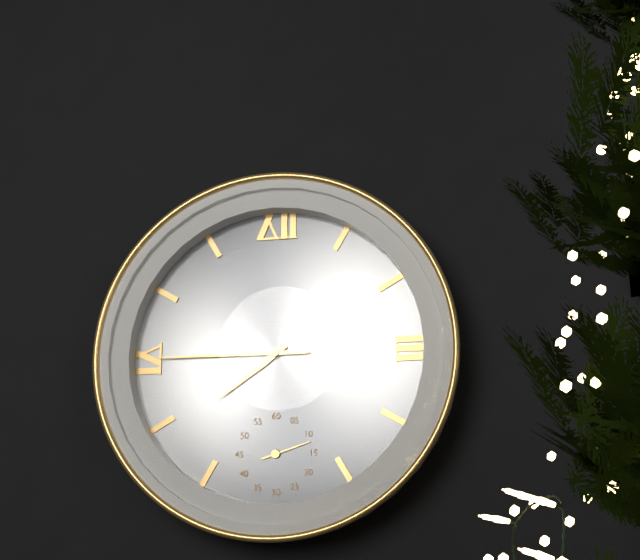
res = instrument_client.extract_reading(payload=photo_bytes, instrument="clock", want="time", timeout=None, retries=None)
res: 7:45
